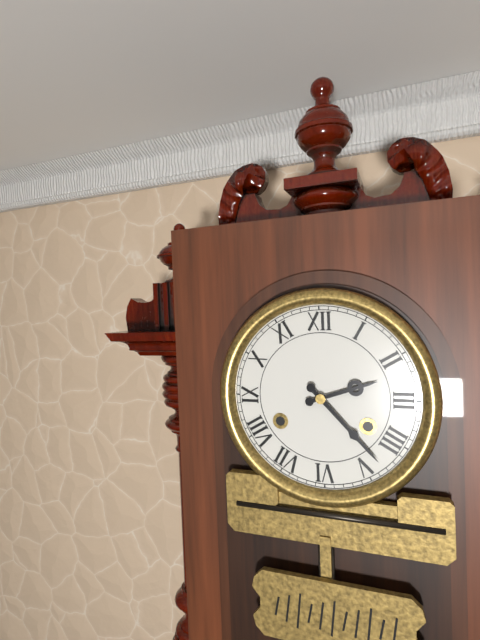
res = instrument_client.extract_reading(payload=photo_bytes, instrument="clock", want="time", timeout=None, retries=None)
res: 2:23
